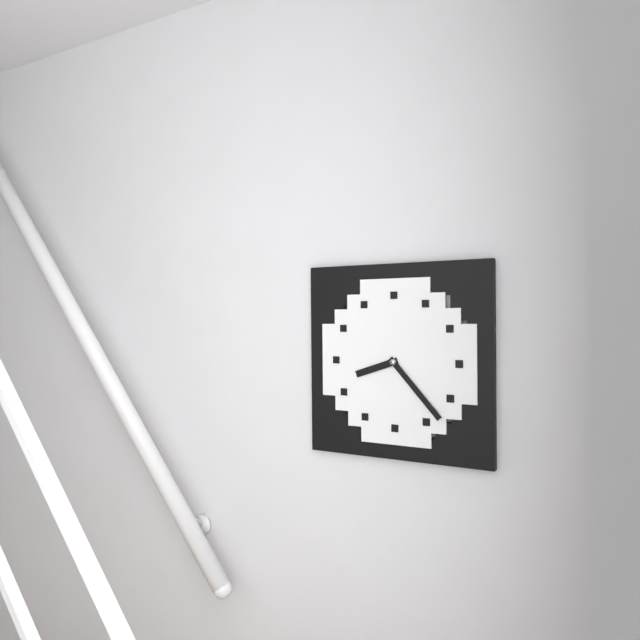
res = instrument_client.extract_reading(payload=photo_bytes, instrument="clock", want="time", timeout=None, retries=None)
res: 8:23
